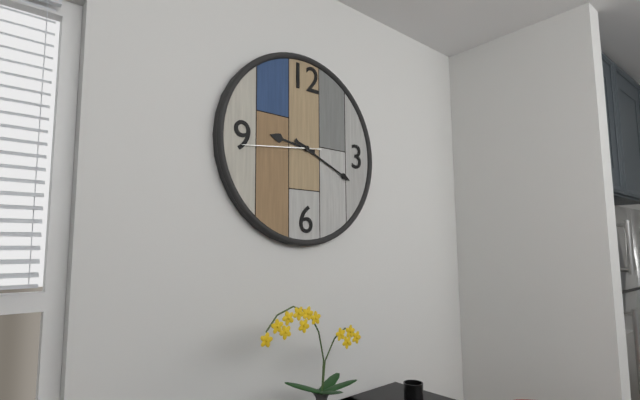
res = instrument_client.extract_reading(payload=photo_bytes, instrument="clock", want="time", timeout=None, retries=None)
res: 9:19:44
